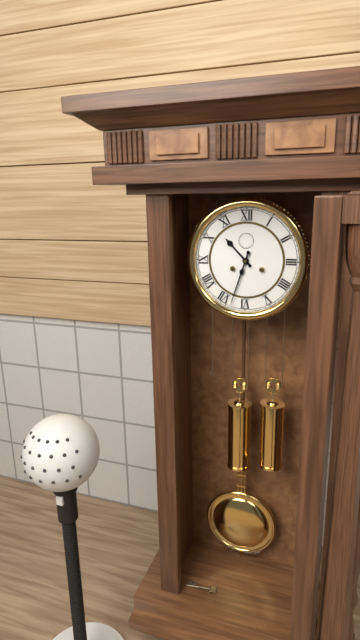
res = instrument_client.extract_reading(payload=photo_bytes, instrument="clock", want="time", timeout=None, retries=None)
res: 10:33
